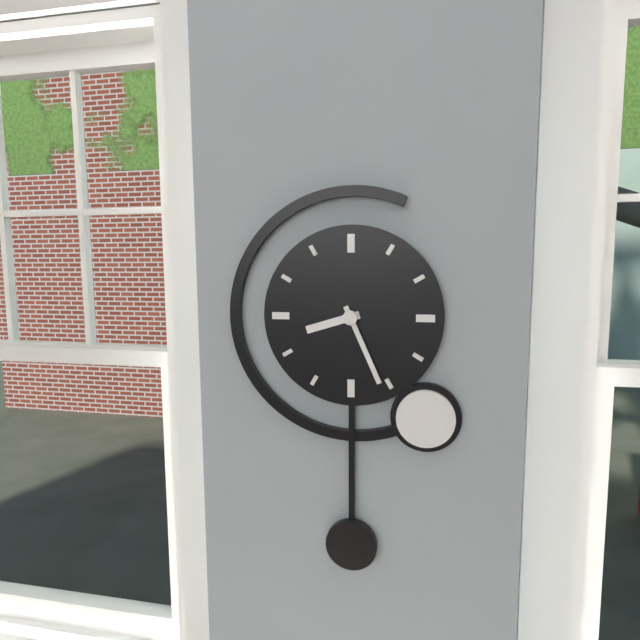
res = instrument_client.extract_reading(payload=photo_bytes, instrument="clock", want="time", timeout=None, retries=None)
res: 8:26
